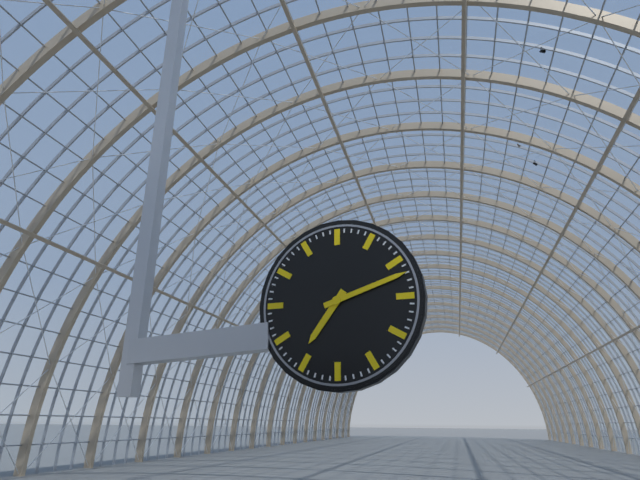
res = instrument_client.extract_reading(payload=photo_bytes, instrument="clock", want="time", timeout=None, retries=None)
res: 7:12
